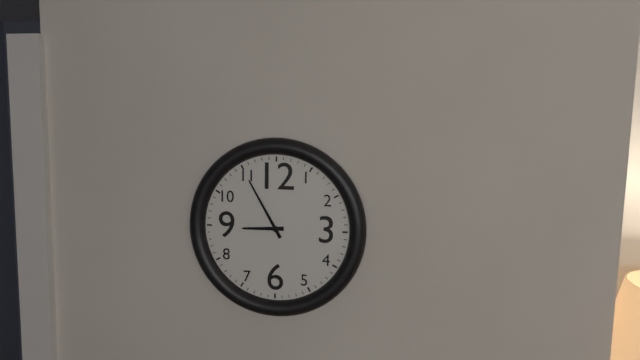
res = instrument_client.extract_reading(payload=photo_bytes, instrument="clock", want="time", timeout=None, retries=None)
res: 8:55
